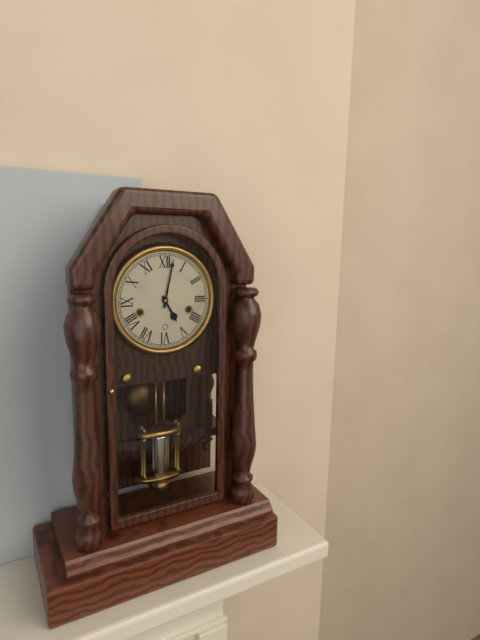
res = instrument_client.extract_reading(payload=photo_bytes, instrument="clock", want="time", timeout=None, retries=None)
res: 5:02
